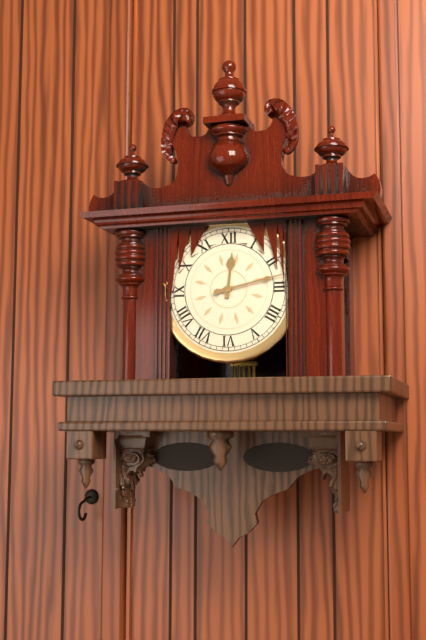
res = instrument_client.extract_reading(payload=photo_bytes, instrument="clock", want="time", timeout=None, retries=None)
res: 12:13
